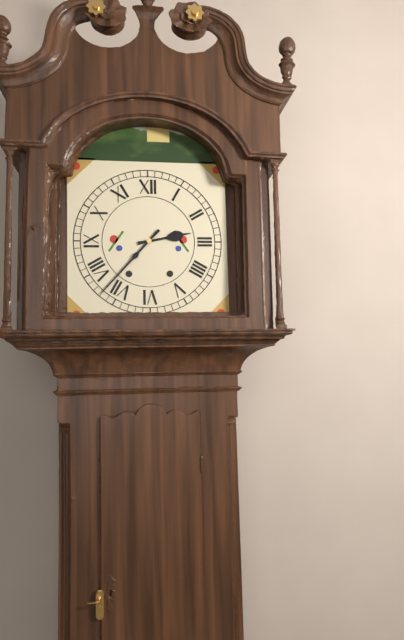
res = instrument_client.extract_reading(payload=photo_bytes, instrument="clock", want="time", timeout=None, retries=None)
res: 2:37
